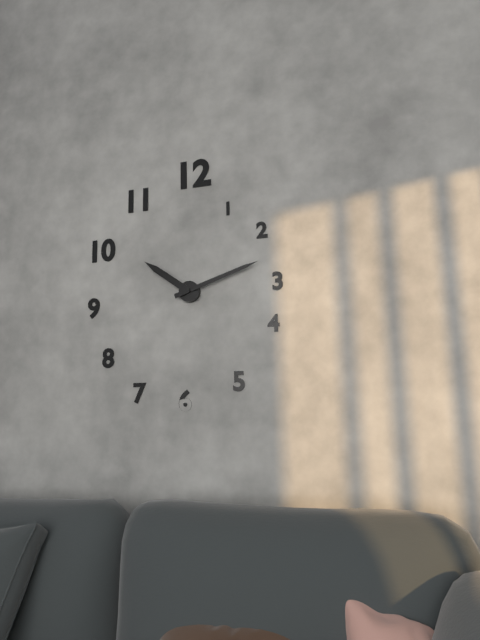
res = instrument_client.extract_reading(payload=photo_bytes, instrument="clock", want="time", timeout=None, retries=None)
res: 10:12
